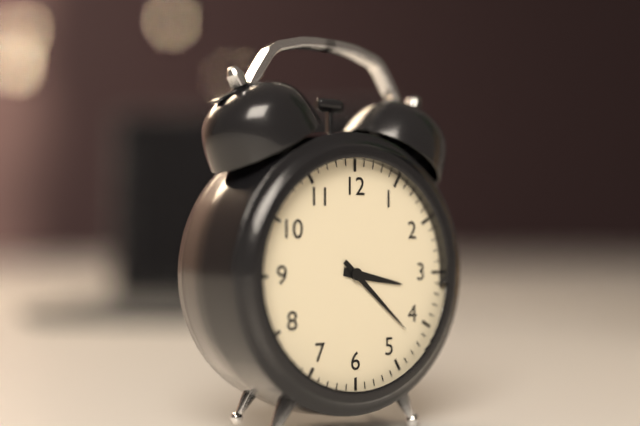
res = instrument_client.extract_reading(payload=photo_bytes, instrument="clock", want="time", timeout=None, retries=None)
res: 3:22
